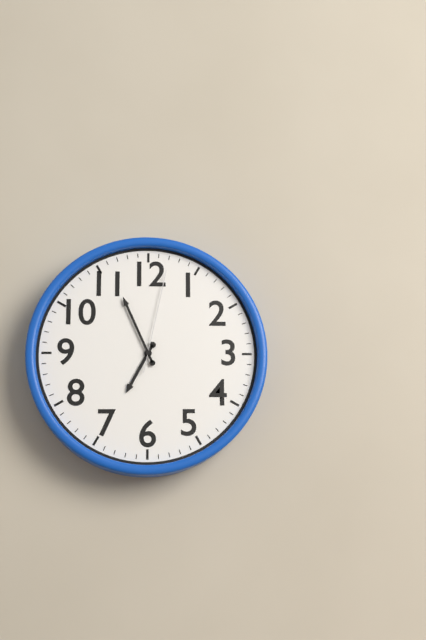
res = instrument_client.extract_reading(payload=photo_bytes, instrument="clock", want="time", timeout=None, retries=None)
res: 6:56:02
